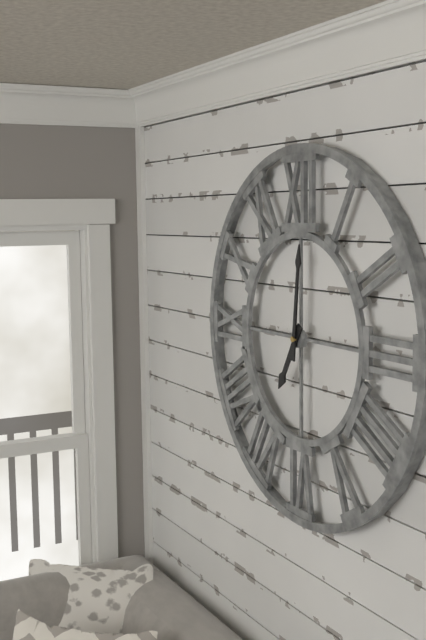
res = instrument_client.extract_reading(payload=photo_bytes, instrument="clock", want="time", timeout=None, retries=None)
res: 7:01
